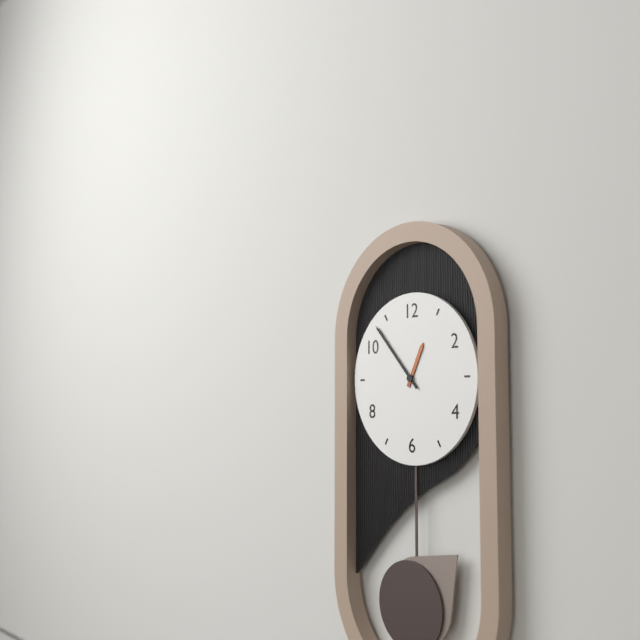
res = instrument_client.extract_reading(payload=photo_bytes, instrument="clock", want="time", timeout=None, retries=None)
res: 12:53
